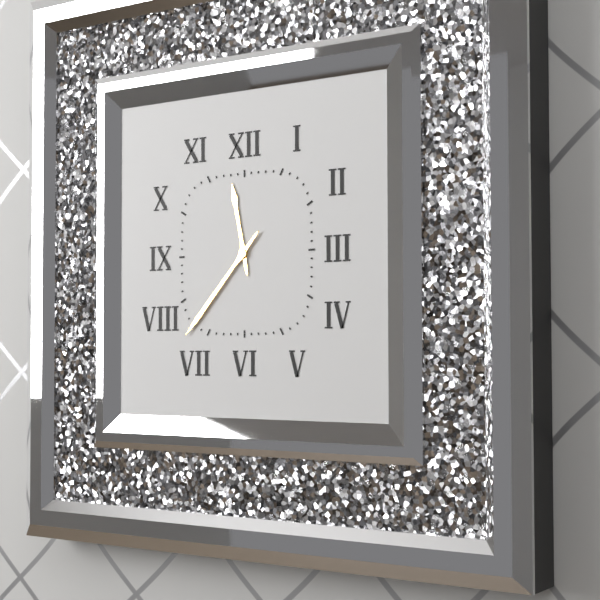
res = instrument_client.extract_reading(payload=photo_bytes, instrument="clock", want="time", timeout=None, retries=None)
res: 11:37
